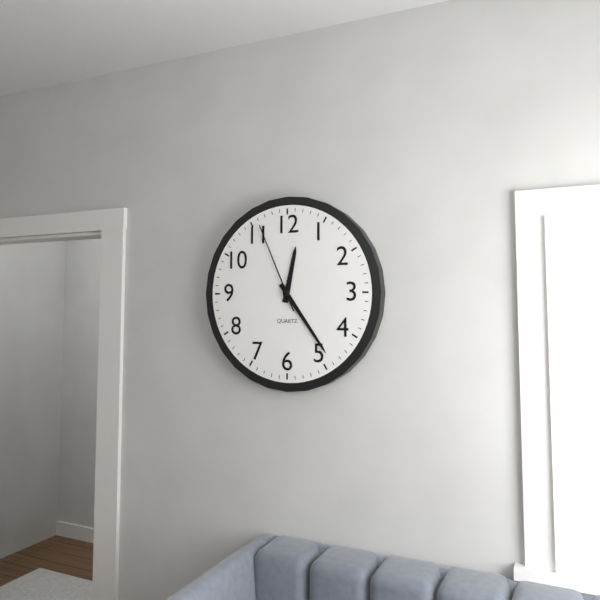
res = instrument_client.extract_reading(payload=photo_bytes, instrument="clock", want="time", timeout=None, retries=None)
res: 12:24:56
